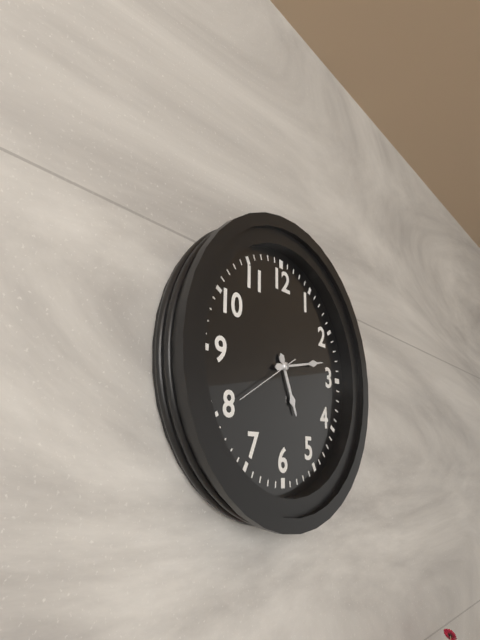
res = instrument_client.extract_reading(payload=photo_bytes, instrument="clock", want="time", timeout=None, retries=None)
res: 5:13:40
